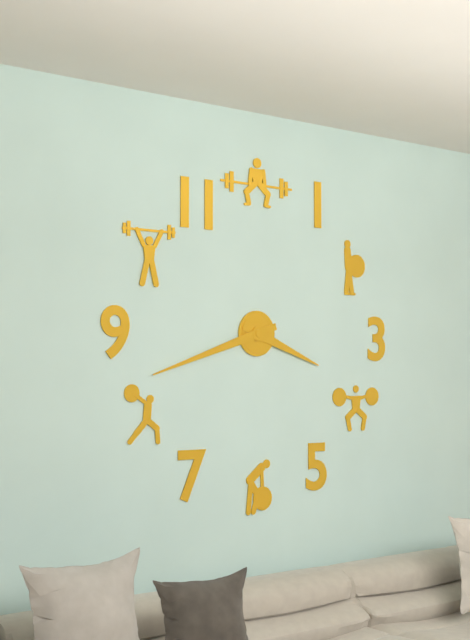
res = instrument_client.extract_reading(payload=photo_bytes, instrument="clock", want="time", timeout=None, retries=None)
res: 3:42
